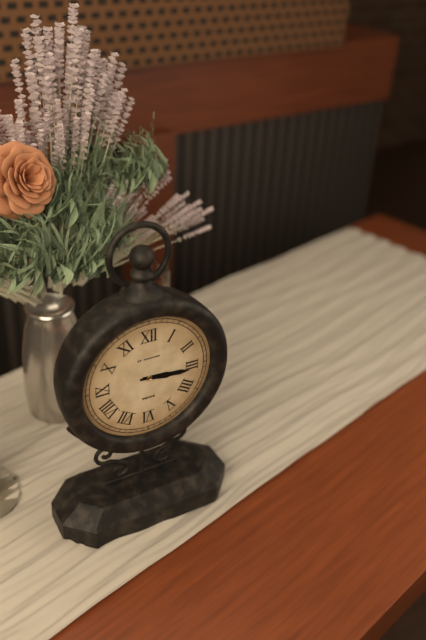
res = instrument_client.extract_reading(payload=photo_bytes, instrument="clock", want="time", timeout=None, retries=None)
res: 3:16
